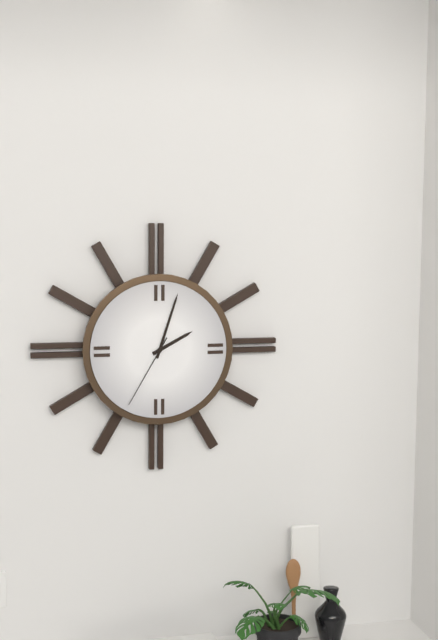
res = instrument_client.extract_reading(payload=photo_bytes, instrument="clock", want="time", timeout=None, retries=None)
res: 2:03:35
